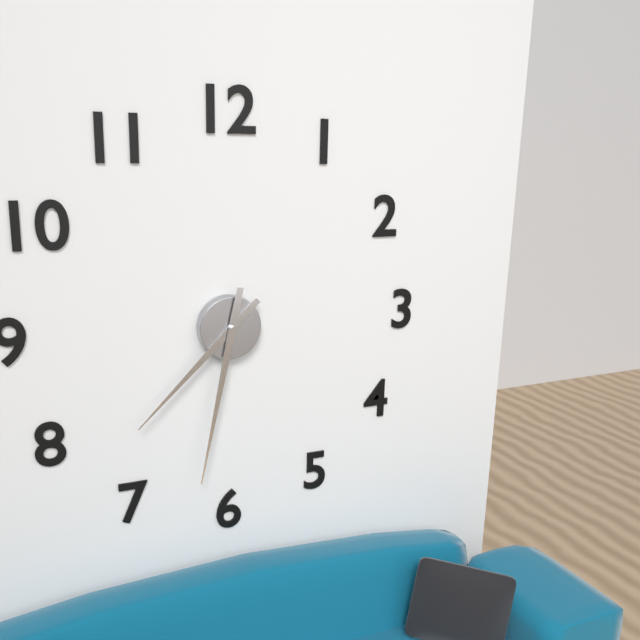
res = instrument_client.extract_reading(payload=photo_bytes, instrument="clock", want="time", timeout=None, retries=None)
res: 7:32
